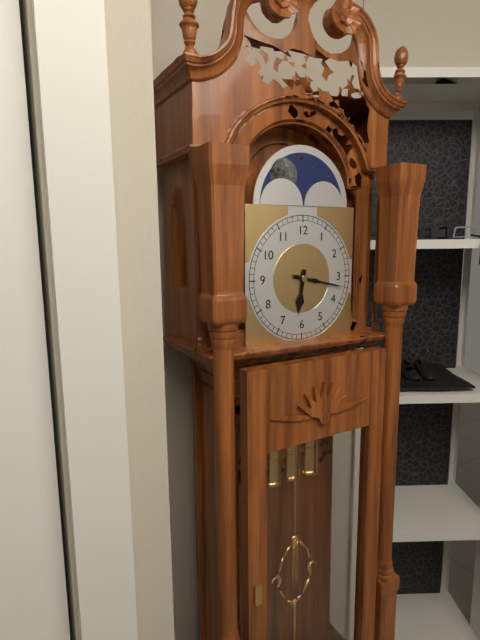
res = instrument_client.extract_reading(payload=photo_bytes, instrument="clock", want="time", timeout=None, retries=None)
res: 6:17
